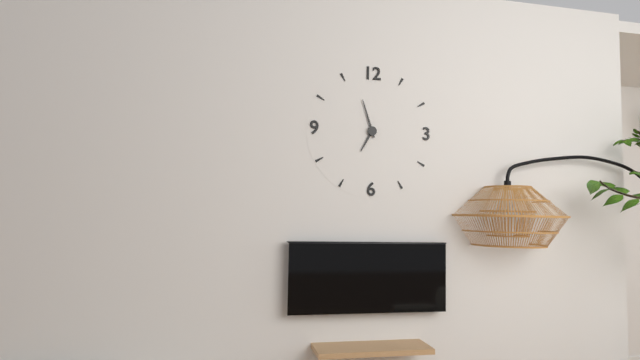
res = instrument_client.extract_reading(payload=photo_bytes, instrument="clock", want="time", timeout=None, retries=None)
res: 6:57
